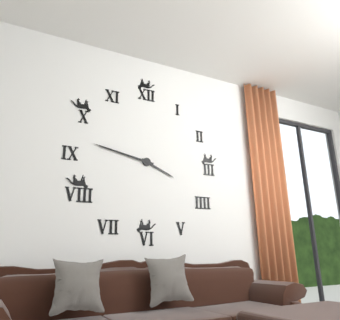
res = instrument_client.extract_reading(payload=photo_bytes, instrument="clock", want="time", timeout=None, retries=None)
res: 3:47
